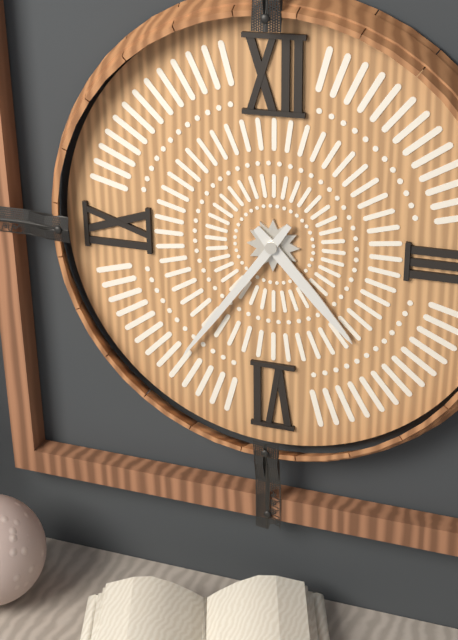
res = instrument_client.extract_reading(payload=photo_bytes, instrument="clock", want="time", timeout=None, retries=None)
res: 4:36
